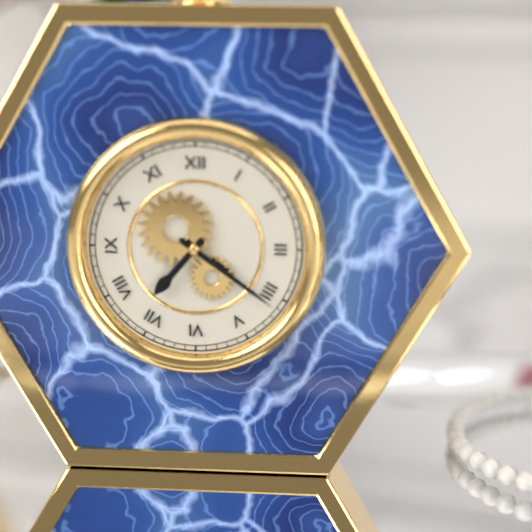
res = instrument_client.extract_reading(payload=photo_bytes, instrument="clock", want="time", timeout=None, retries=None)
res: 7:21
